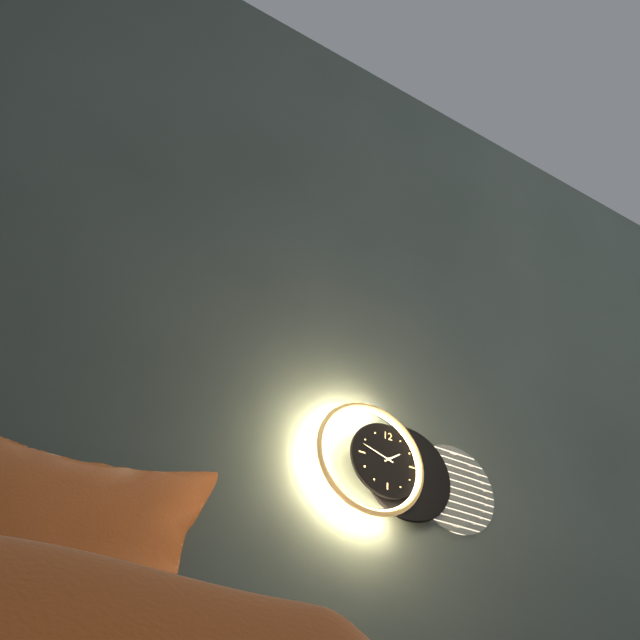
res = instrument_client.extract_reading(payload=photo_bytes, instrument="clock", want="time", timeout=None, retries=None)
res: 1:48
